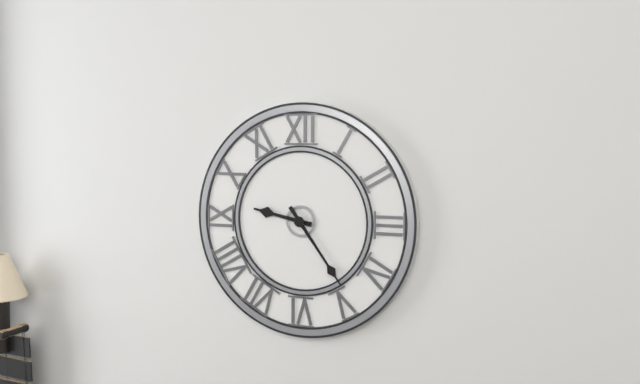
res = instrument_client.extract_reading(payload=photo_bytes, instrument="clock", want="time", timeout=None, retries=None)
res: 9:24
